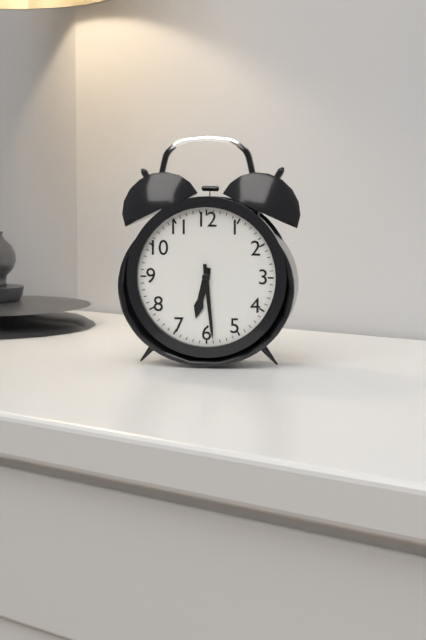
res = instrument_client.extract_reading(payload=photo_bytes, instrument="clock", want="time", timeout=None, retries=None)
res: 6:29
